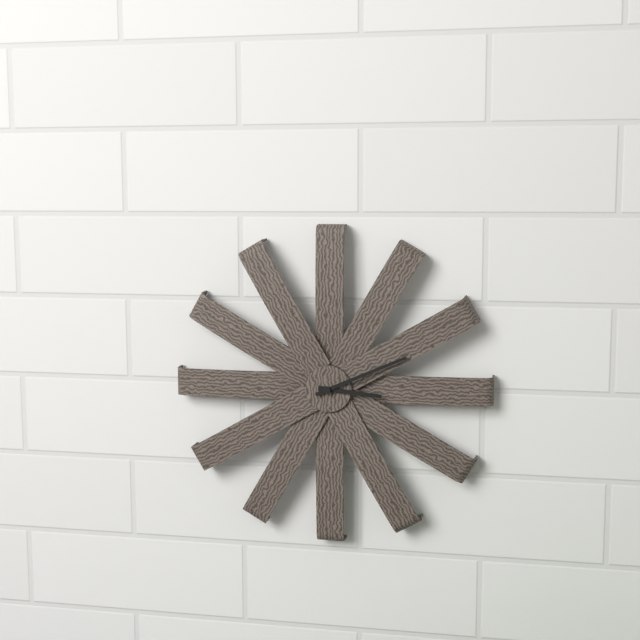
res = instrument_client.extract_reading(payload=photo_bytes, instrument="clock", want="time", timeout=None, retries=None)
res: 3:11
